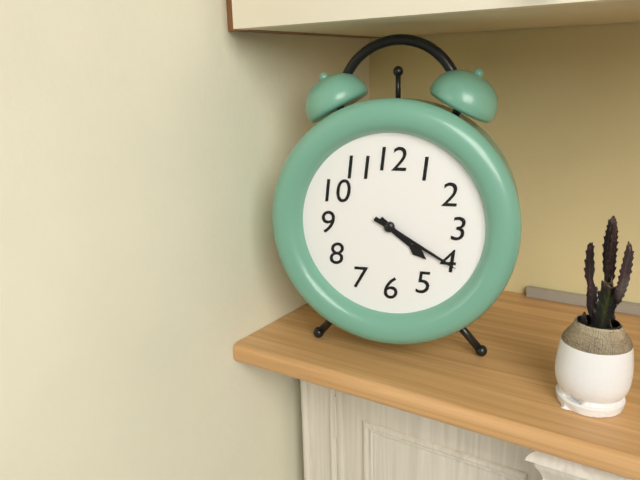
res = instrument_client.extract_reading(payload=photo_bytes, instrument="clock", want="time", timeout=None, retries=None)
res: 4:20
